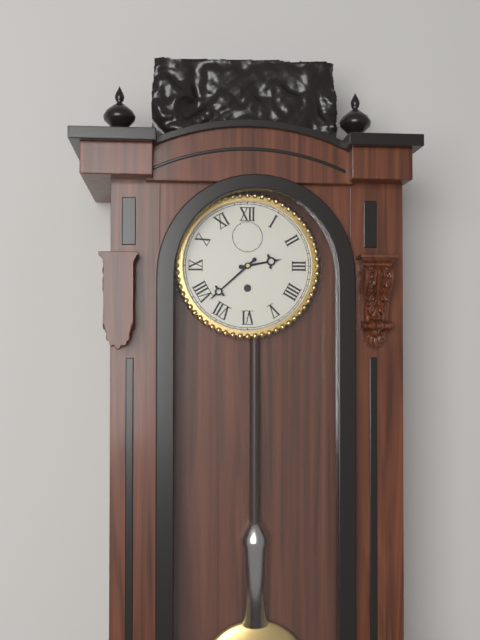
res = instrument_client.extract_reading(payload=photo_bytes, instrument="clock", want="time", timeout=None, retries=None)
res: 2:38
